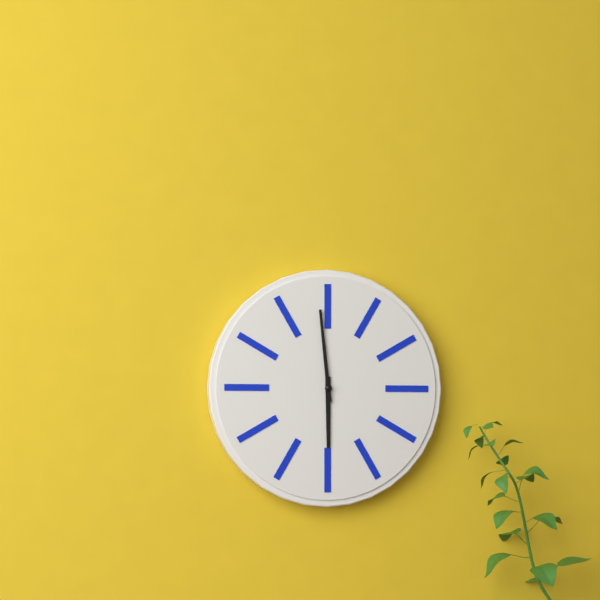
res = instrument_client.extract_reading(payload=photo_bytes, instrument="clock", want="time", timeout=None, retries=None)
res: 5:59
